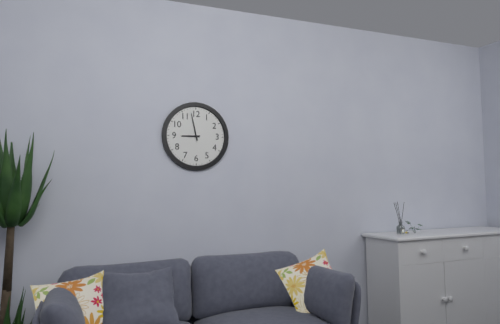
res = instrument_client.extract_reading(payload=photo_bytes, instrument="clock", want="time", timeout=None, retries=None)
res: 8:58
